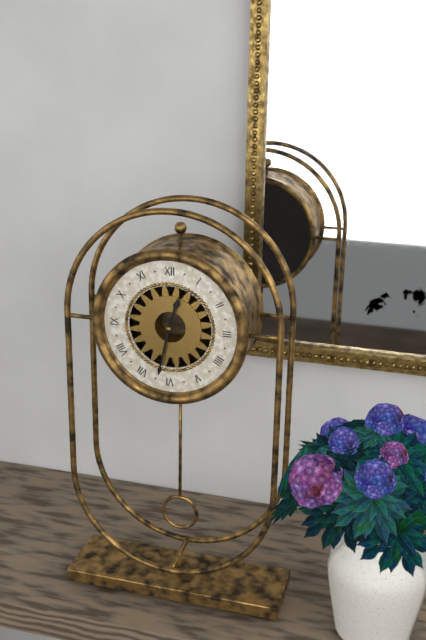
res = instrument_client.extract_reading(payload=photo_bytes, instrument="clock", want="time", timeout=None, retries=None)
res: 12:32
